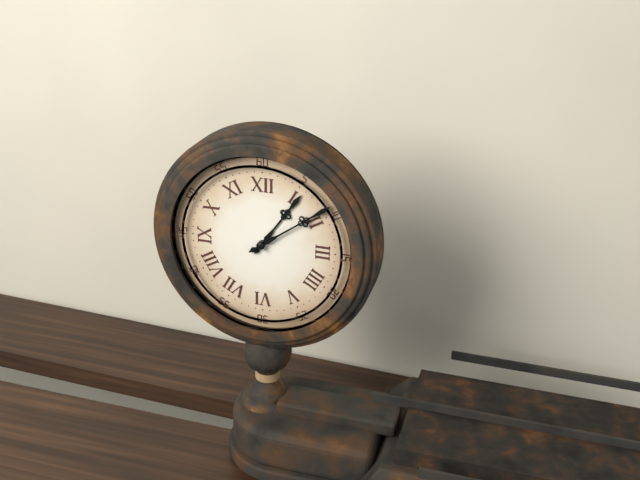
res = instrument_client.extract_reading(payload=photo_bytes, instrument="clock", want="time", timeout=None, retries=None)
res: 1:09
